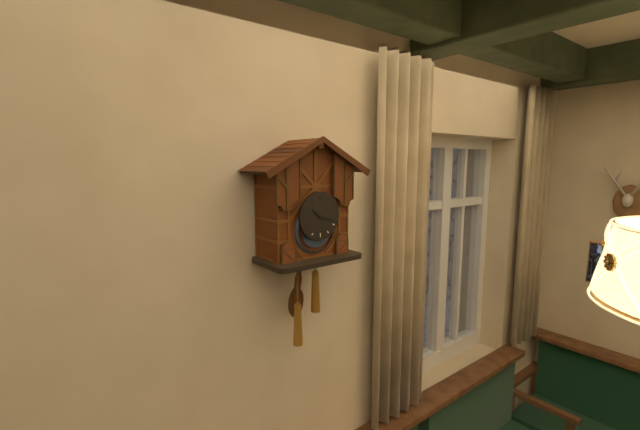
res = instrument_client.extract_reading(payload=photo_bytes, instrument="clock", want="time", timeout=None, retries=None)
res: 10:18
